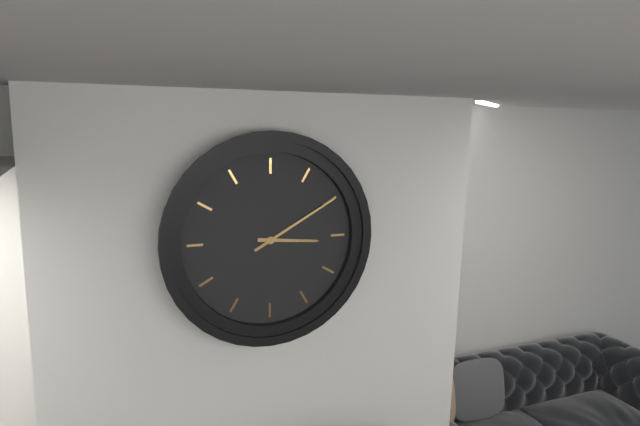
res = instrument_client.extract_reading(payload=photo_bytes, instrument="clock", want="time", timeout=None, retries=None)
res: 3:10
